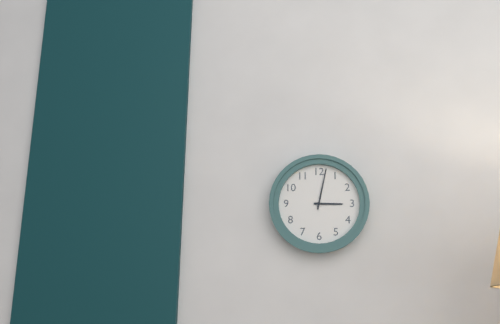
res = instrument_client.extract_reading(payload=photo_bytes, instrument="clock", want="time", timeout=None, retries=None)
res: 3:02
